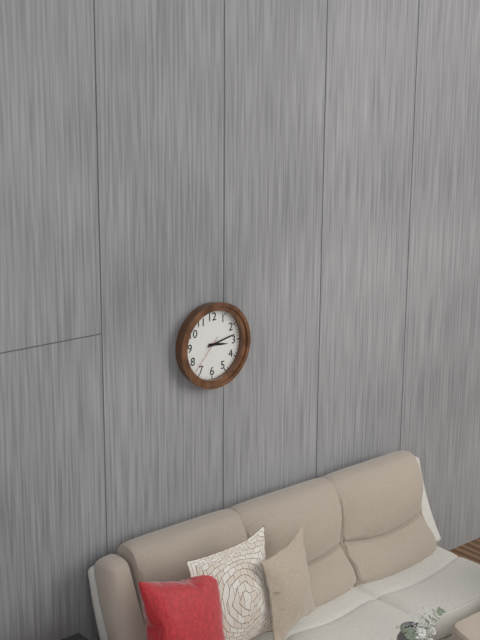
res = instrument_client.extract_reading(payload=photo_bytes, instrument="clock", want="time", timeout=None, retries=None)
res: 3:13
